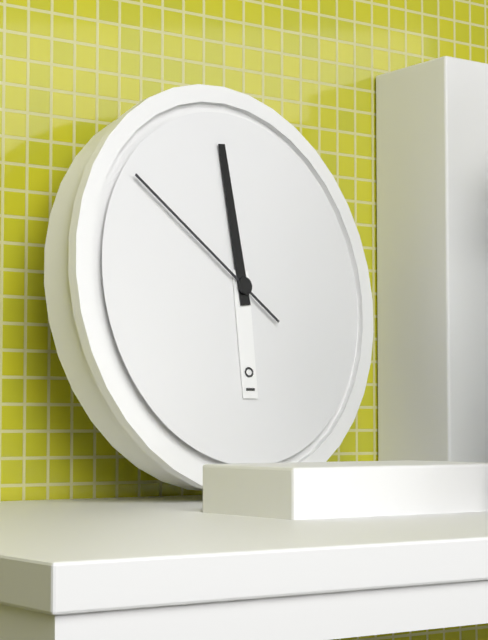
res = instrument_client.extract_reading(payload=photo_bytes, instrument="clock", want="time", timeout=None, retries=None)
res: 5:59:51
